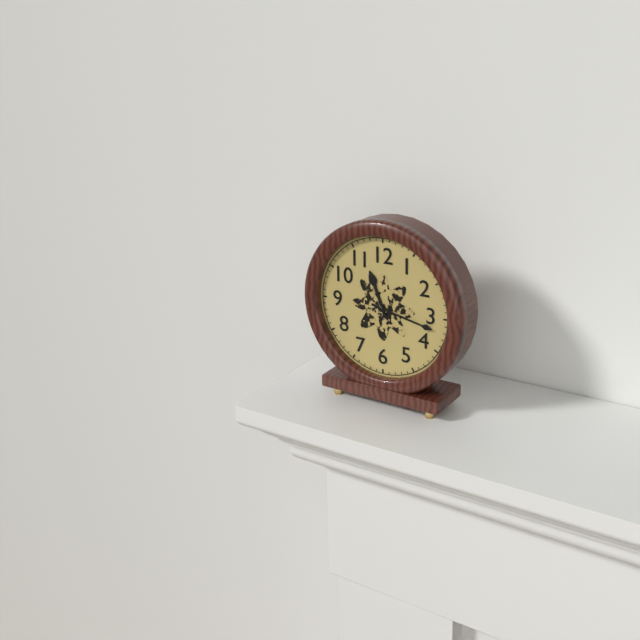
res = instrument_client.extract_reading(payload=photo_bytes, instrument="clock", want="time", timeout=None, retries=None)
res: 11:17
